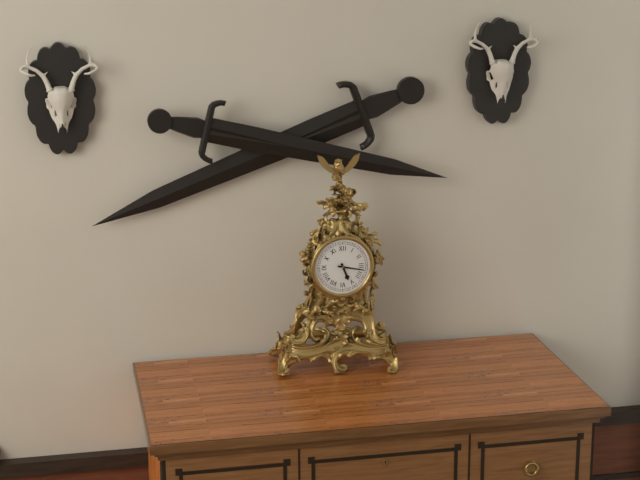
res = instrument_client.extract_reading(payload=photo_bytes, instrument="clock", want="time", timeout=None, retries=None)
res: 5:17
